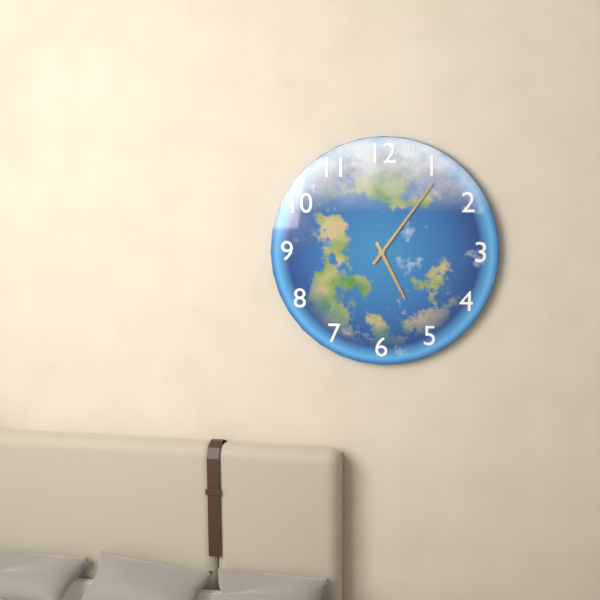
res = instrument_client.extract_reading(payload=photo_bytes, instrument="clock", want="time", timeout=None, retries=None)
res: 5:06
